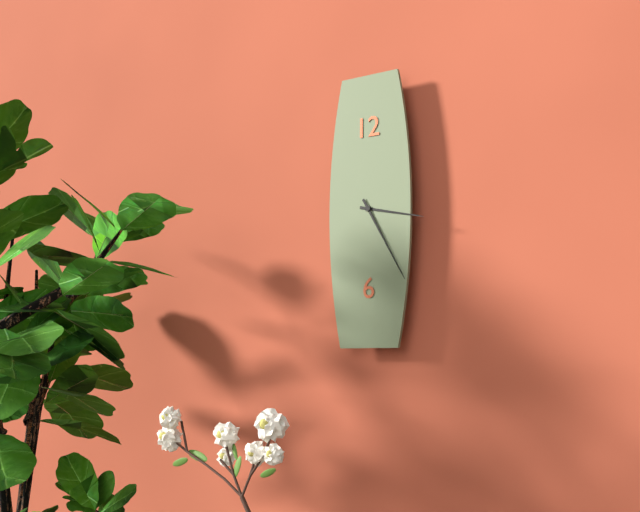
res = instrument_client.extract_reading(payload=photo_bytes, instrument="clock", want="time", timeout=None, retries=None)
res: 3:25
